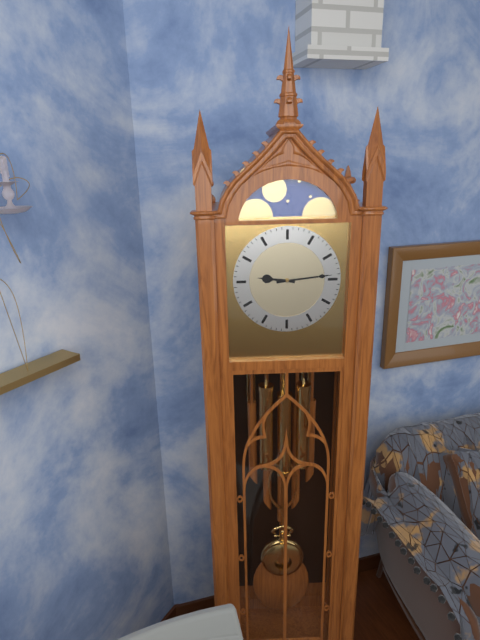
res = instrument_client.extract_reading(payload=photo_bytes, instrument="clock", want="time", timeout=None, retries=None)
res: 9:14
